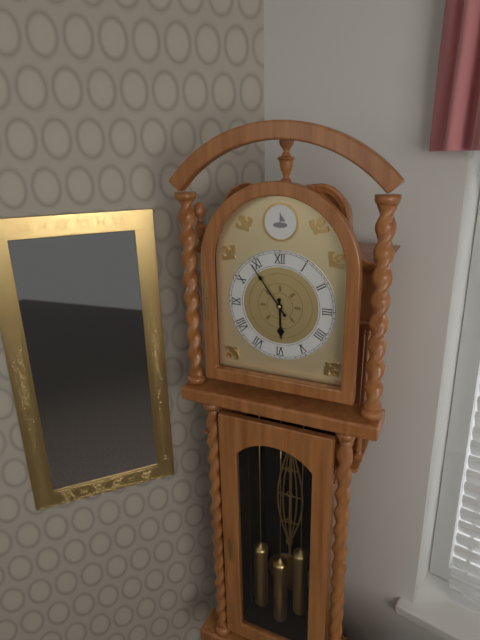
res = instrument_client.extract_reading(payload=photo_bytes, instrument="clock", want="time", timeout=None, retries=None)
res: 5:54
